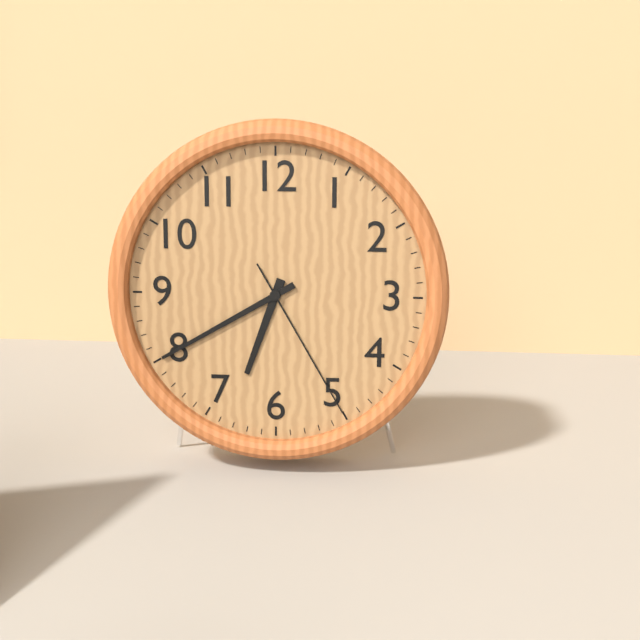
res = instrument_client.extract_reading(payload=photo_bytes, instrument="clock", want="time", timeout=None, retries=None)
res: 6:40:25
